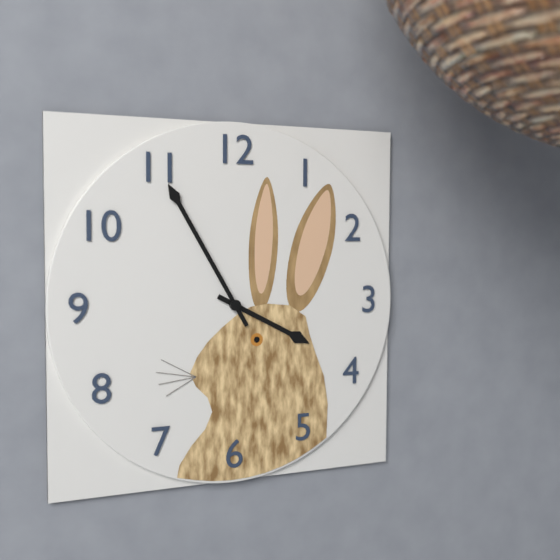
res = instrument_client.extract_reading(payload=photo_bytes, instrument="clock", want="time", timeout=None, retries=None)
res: 3:55
